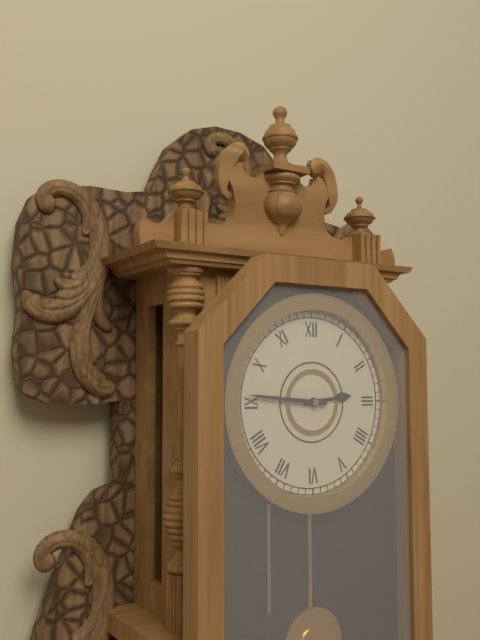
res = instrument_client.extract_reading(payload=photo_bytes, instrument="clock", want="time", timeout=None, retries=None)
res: 2:46
